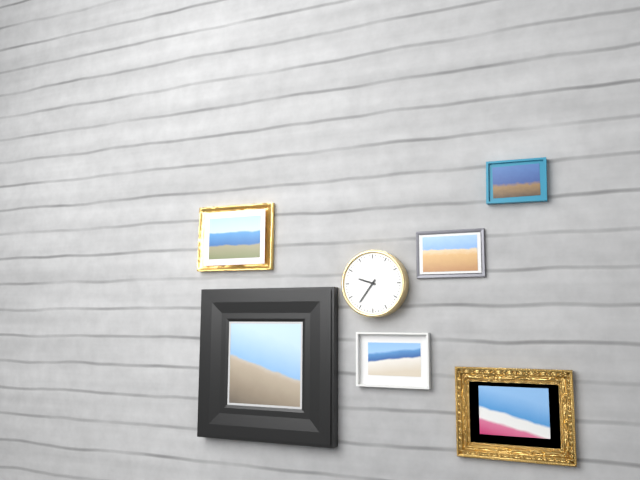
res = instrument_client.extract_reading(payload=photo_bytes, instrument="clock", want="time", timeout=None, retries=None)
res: 9:36
